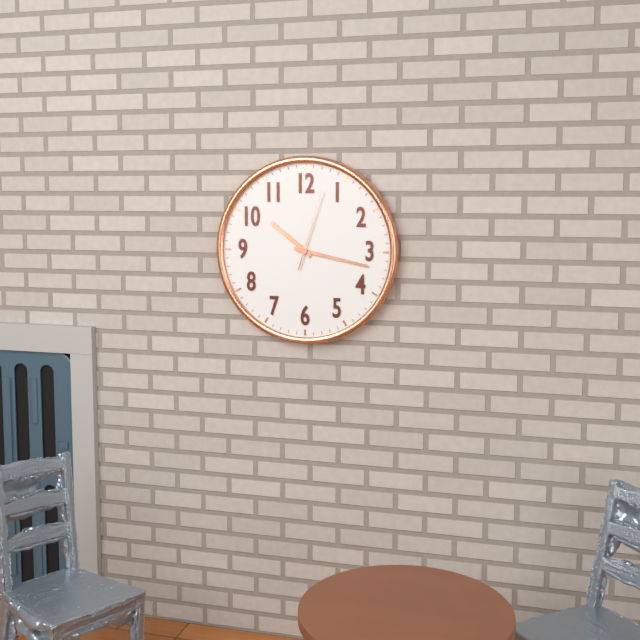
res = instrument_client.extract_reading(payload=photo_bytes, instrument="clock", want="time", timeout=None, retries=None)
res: 10:17:03
